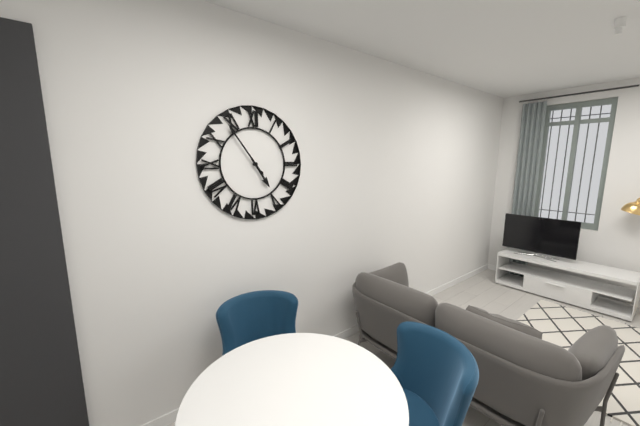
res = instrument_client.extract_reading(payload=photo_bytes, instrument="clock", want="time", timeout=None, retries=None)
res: 4:54
